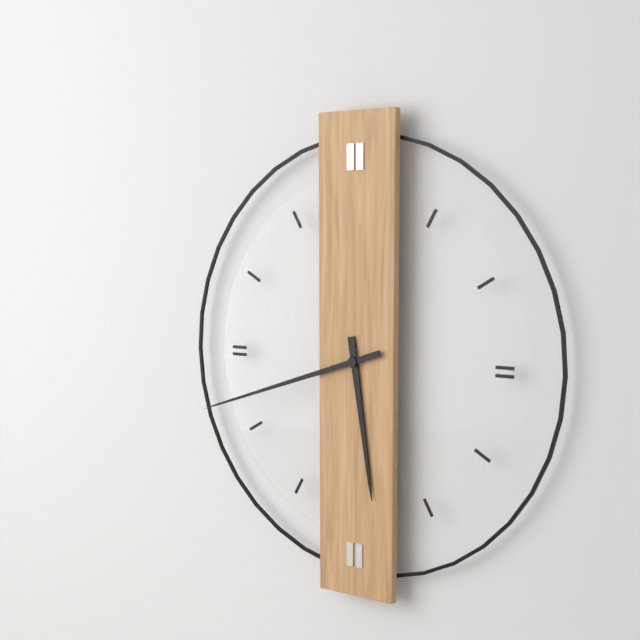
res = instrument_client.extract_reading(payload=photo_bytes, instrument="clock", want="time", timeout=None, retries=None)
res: 5:42
